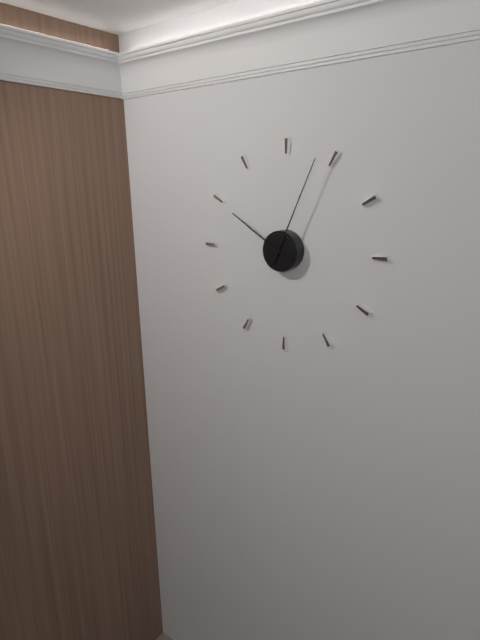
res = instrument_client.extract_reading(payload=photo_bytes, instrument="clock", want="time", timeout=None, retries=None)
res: 10:04
